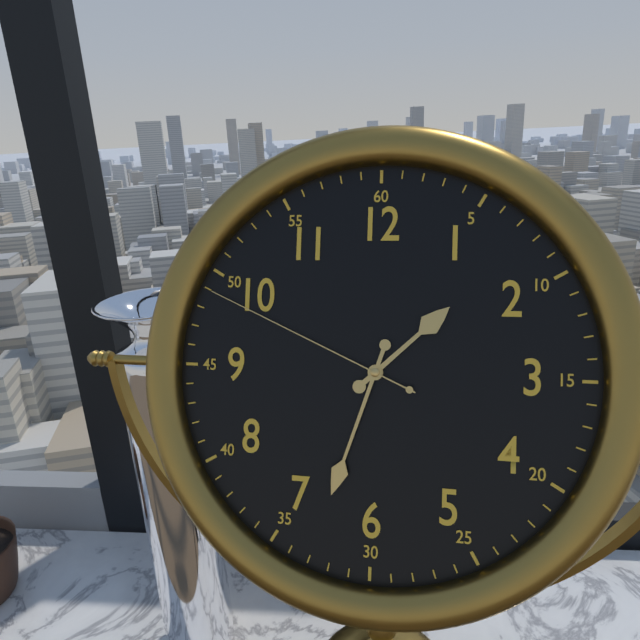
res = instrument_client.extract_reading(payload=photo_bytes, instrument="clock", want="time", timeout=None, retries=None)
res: 1:33:49
